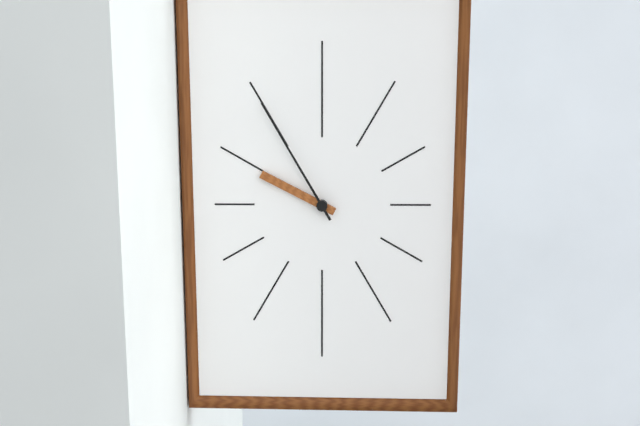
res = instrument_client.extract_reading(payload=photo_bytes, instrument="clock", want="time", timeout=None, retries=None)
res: 9:55
